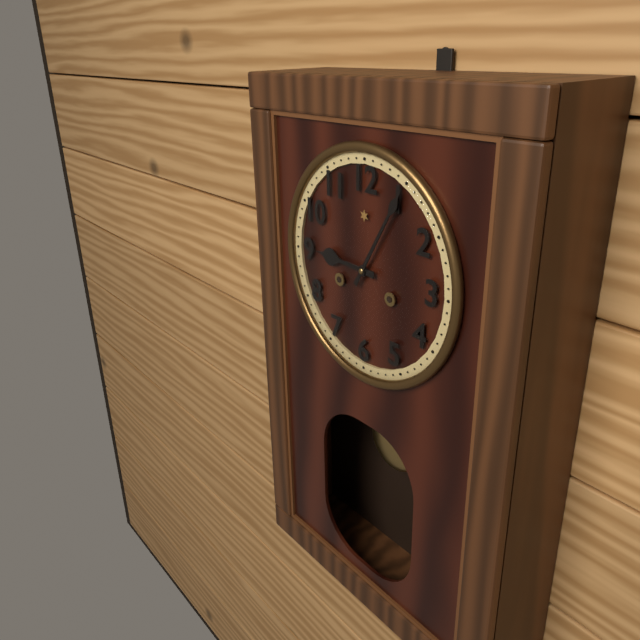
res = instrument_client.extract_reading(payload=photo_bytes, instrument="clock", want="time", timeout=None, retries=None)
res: 9:05
